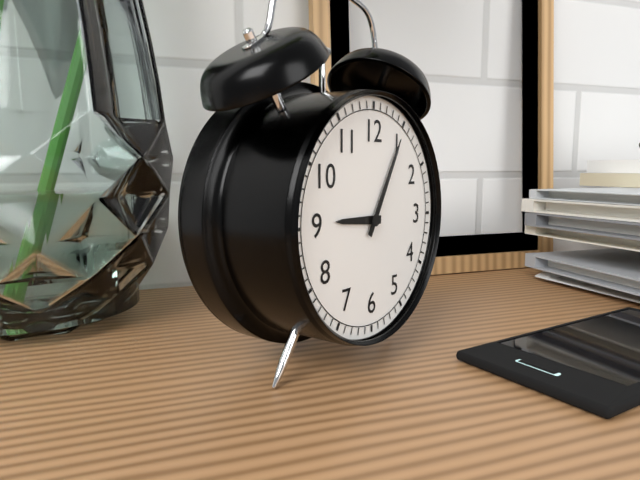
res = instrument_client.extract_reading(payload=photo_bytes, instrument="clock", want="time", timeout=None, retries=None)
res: 9:05
